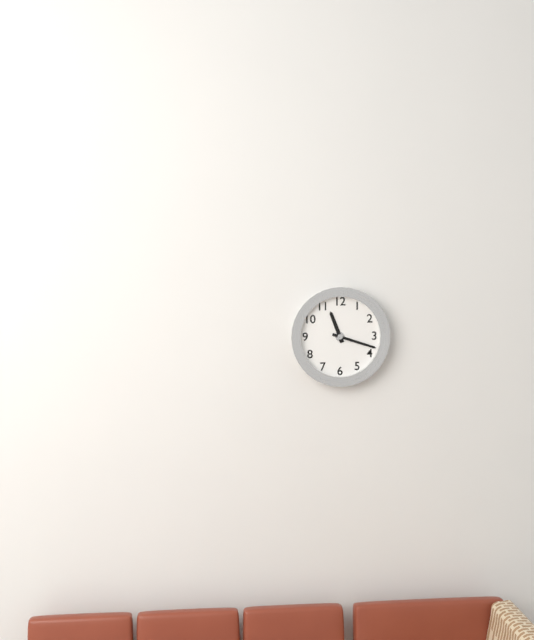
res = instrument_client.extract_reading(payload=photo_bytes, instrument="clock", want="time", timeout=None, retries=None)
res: 11:18
